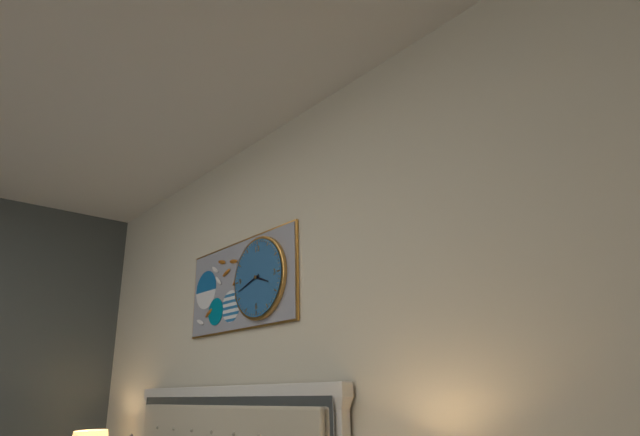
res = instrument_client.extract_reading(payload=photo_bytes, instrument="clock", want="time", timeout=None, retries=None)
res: 3:42
